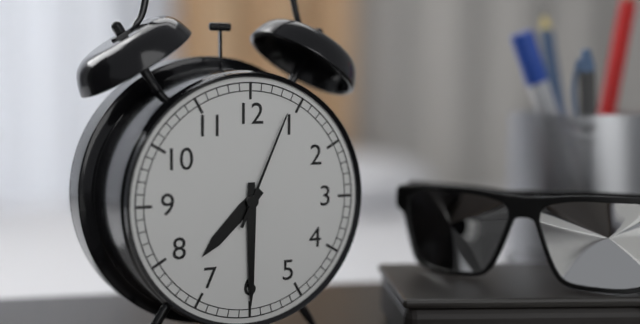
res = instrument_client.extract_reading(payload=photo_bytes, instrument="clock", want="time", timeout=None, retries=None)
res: 7:30:04
